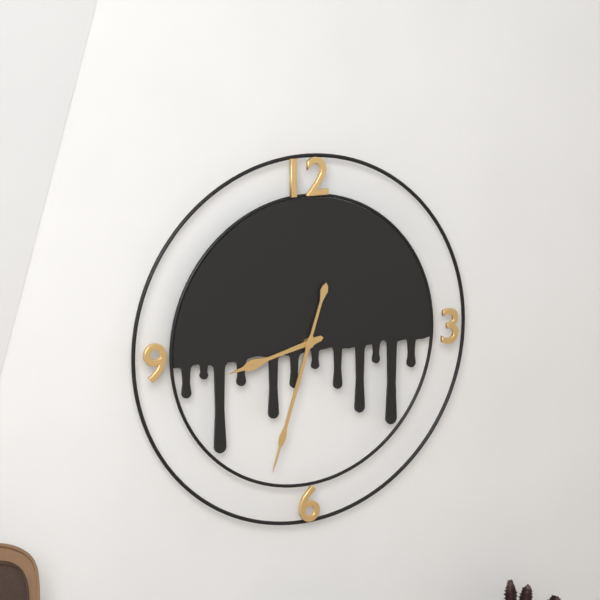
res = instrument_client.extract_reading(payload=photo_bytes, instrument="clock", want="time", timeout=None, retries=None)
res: 8:33
